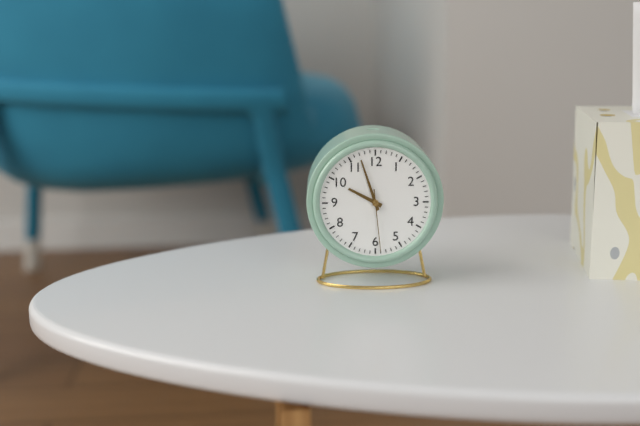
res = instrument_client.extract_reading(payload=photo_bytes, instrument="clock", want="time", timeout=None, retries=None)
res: 9:57:29
